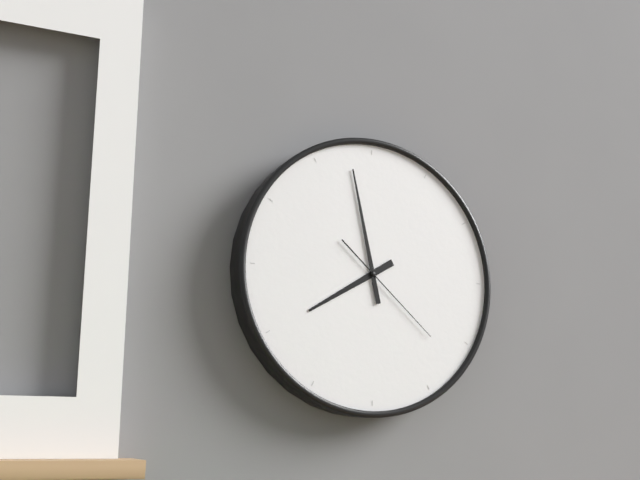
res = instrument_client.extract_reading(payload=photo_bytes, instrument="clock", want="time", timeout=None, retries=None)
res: 7:58:22
